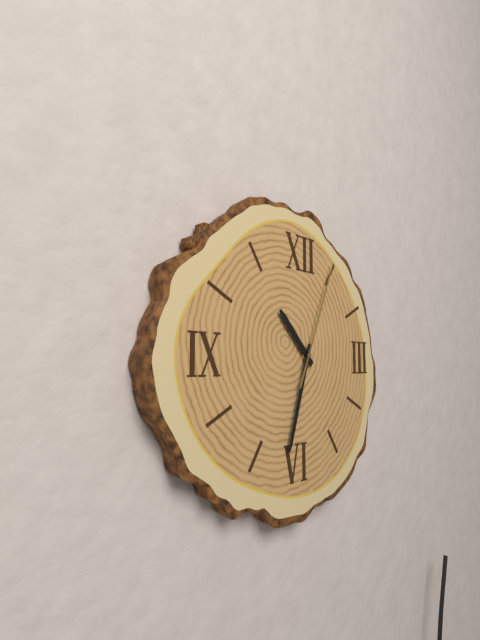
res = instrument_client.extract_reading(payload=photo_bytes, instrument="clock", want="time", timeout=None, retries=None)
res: 10:33:04
